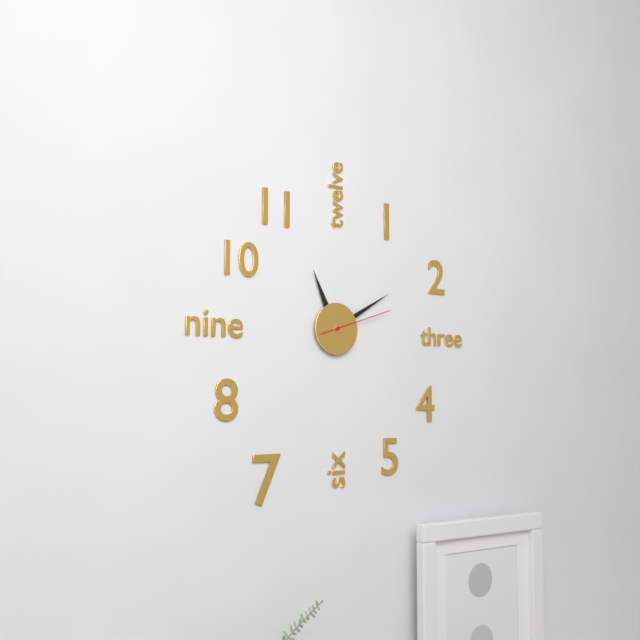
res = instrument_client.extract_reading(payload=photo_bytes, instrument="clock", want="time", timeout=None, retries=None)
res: 11:10:12
